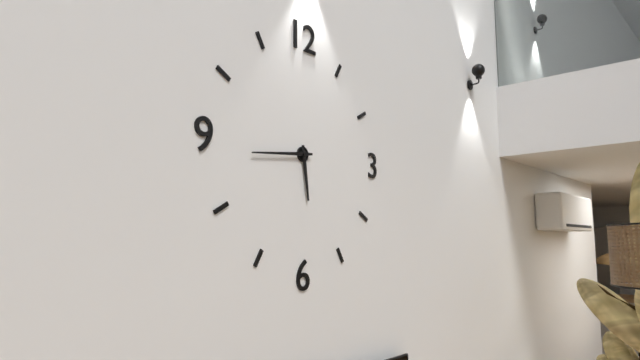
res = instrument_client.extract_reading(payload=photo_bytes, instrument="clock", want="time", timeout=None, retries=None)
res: 5:44
